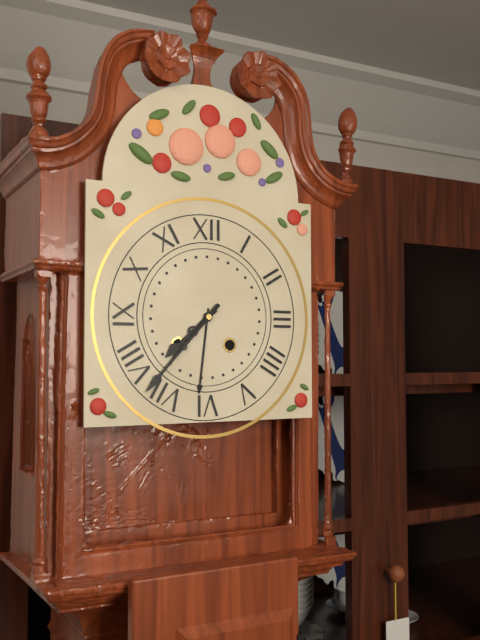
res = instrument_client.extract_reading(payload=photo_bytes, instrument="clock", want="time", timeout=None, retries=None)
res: 7:37
